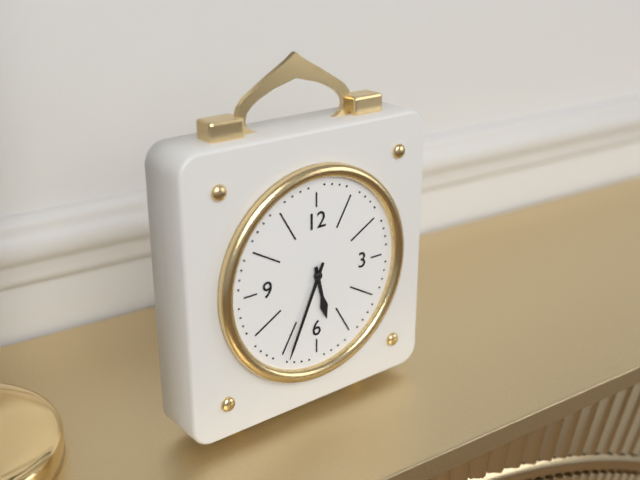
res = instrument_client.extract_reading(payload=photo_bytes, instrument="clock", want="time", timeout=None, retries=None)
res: 5:34
